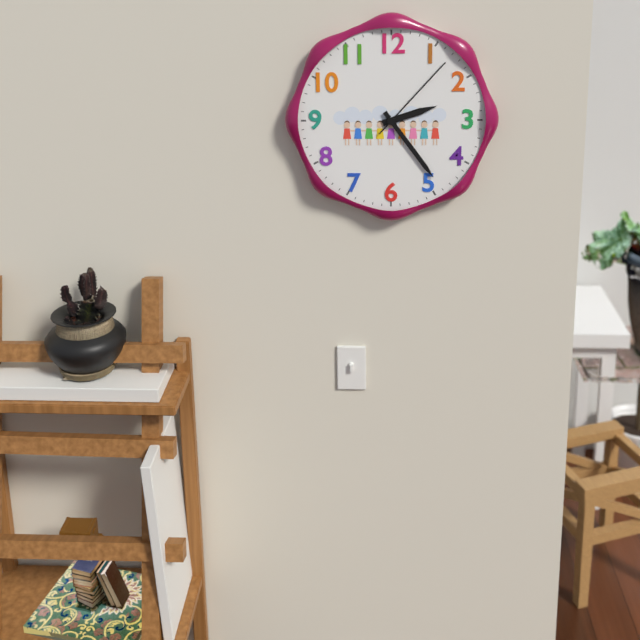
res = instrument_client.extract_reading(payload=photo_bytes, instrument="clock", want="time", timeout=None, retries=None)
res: 2:24:07
